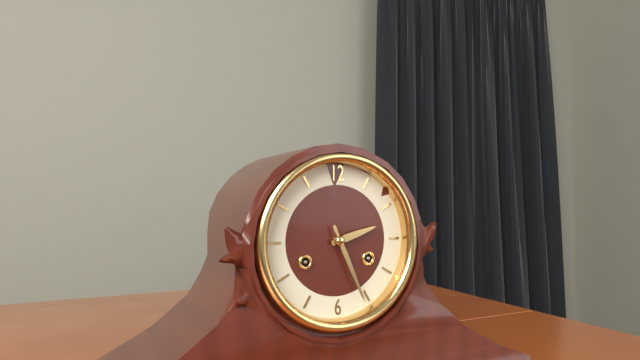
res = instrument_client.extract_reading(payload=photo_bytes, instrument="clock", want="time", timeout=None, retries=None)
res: 2:26
